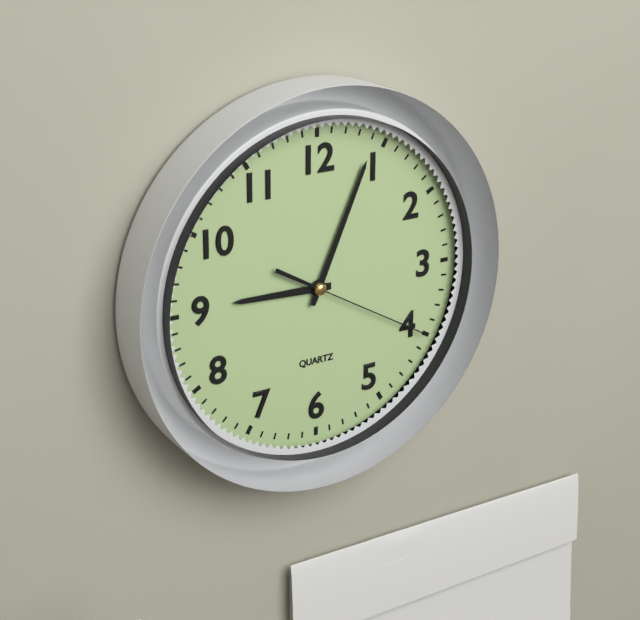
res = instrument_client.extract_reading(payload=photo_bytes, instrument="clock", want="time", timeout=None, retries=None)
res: 9:04:20
